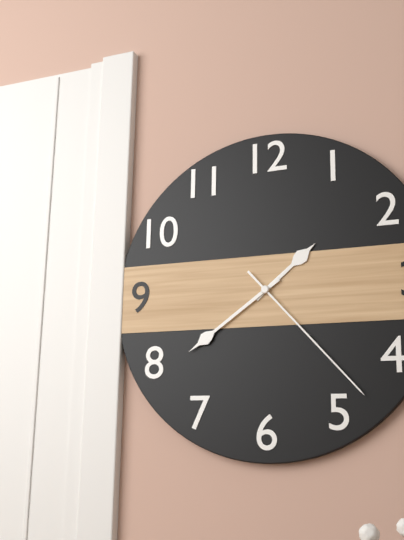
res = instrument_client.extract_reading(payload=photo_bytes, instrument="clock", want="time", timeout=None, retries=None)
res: 1:39:23
